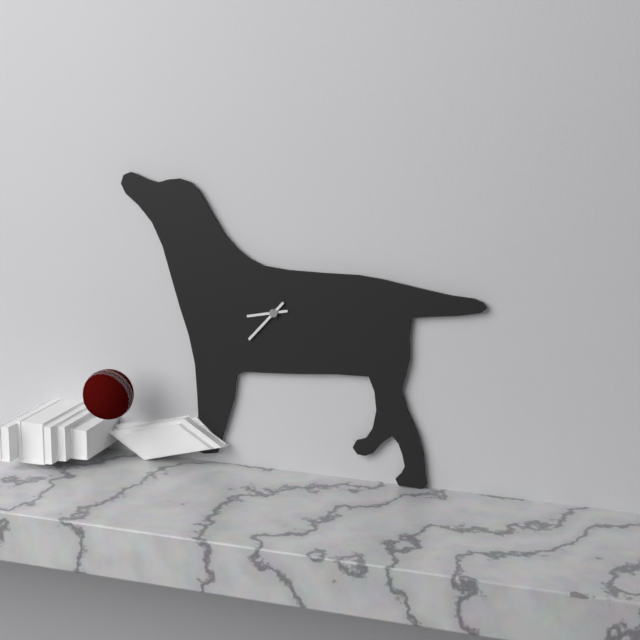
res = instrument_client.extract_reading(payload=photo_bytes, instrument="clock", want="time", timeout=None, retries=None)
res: 8:37
